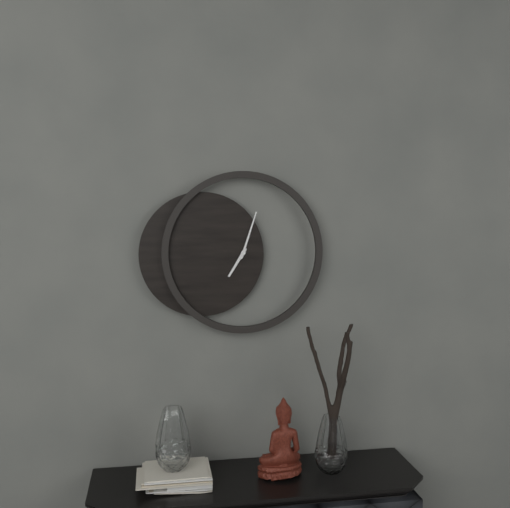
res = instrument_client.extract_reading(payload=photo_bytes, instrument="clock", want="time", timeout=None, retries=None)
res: 7:03
